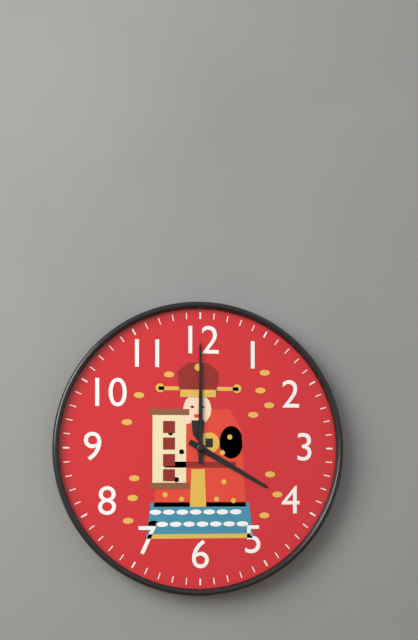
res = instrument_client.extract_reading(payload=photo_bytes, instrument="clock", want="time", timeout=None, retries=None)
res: 4:00
